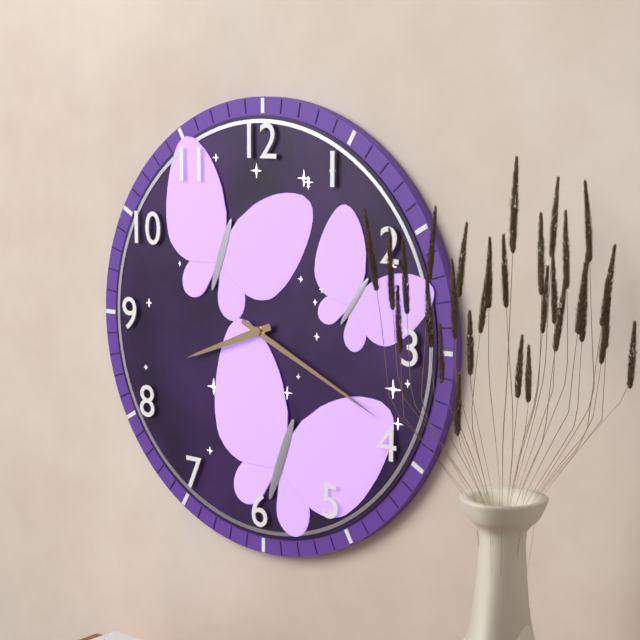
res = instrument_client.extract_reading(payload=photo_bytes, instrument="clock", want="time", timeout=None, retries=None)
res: 8:19
